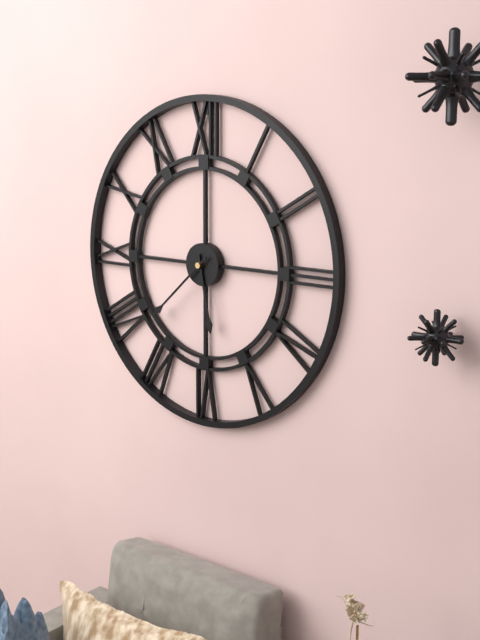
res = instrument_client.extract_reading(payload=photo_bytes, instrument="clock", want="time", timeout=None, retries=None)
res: 5:38
